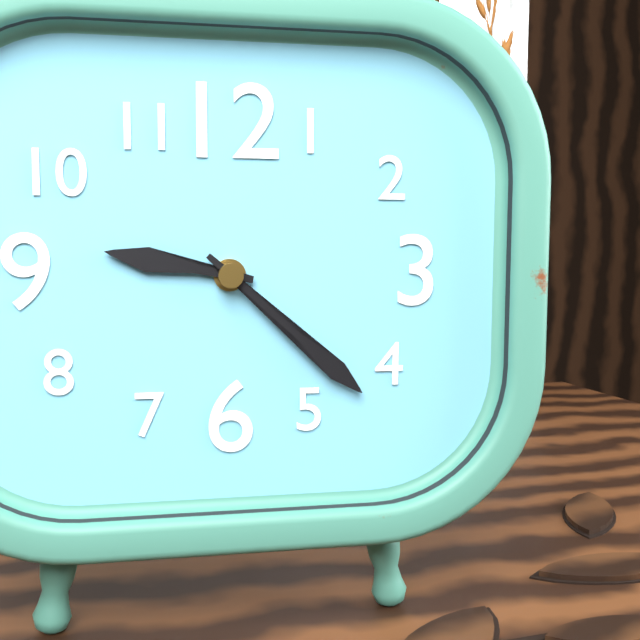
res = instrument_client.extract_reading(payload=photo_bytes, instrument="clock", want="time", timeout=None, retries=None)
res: 9:22
